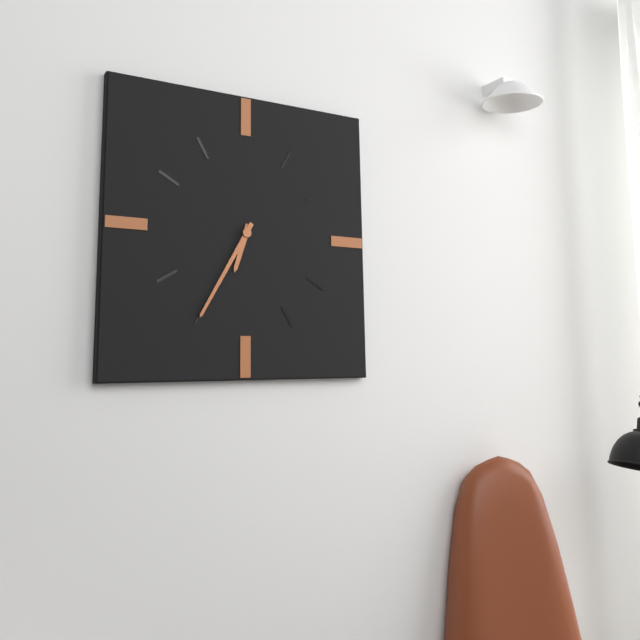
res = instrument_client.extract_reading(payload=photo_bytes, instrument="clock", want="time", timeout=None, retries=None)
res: 6:35
